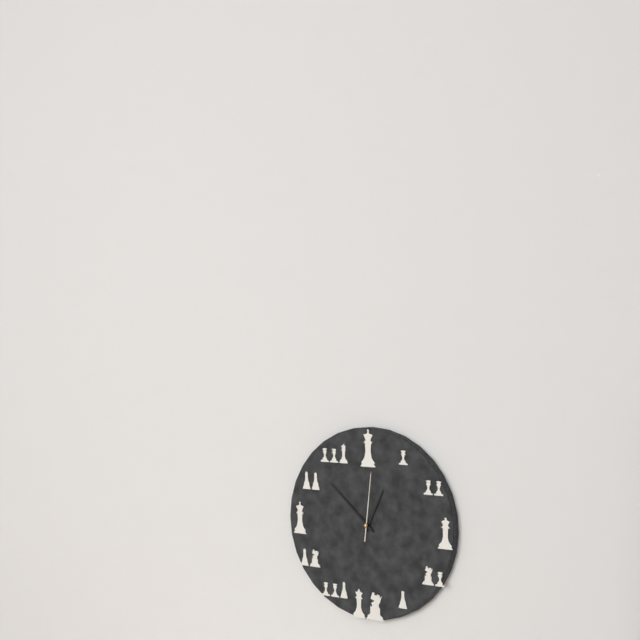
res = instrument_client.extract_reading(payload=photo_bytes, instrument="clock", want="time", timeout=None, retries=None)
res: 12:52:01
